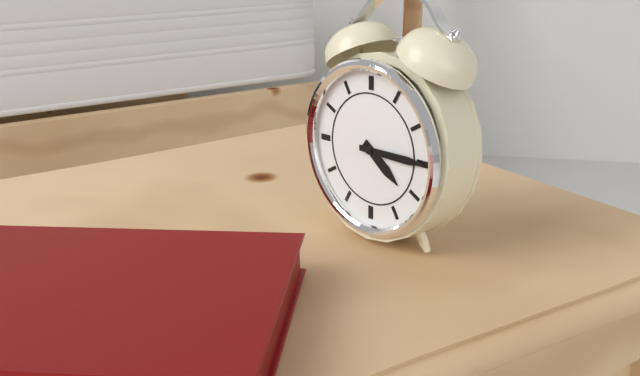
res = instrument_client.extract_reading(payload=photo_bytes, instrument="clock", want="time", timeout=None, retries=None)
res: 4:15
